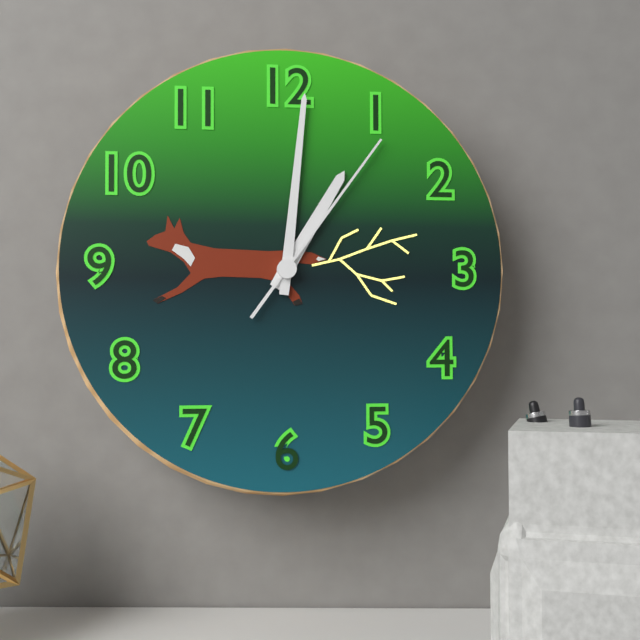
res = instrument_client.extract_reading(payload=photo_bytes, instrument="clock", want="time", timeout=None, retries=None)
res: 1:01:06
